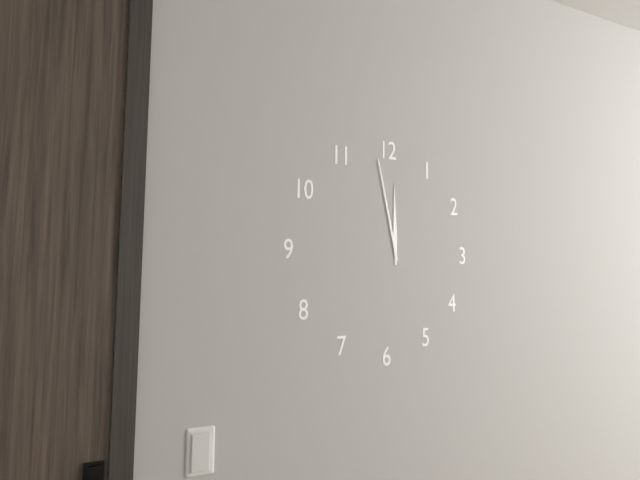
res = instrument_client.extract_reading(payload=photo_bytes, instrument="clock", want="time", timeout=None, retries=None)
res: 11:58
